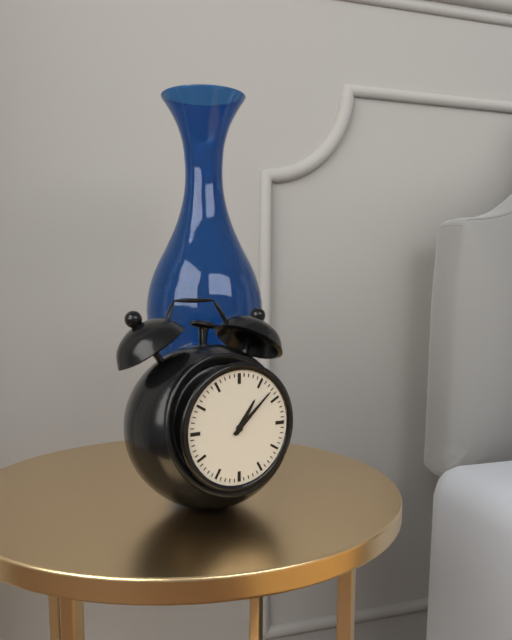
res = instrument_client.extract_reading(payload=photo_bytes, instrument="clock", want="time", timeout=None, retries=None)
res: 1:08
